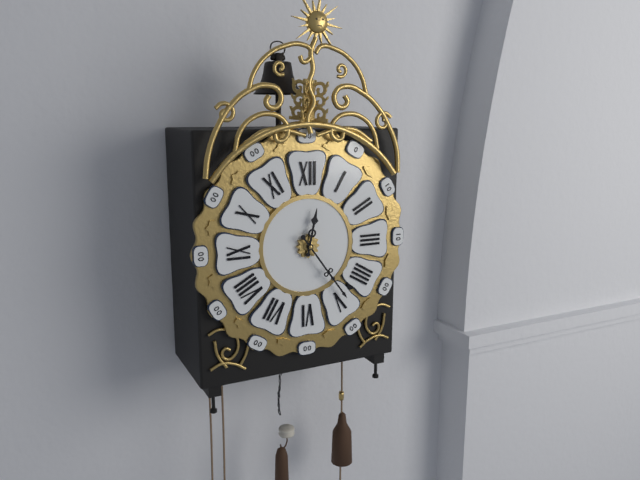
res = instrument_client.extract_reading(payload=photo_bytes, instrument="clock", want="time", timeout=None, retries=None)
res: 12:24
